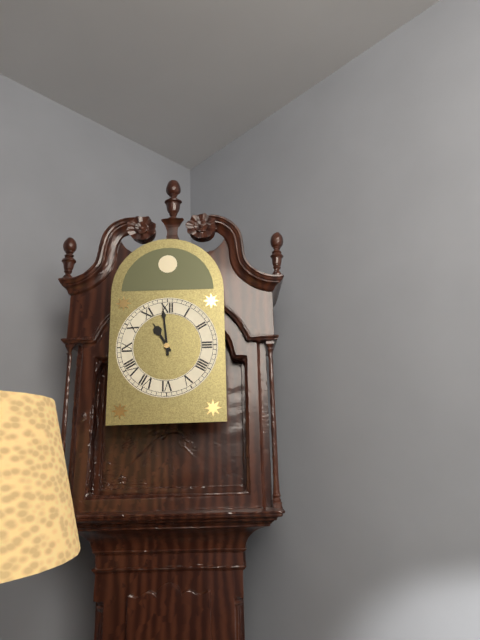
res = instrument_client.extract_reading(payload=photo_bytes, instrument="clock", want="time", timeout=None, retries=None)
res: 10:59
